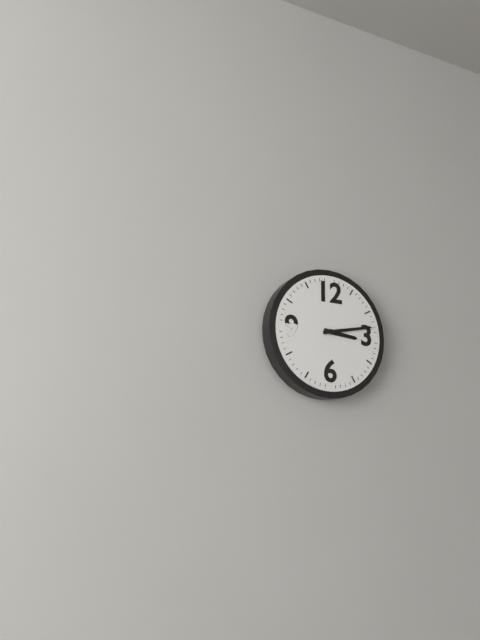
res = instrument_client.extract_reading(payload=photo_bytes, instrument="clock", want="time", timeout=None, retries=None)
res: 3:13
